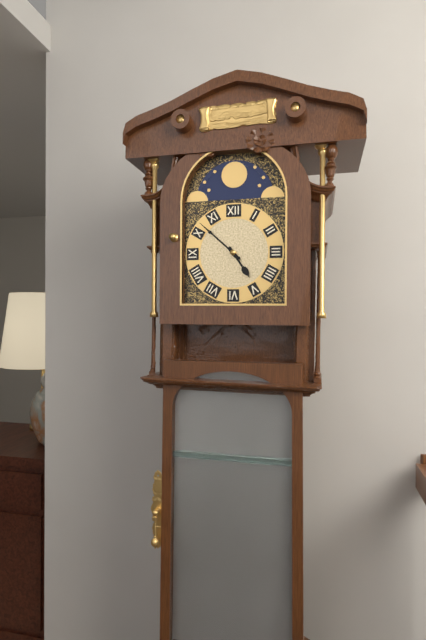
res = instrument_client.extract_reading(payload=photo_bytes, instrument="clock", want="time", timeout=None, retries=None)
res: 4:52
